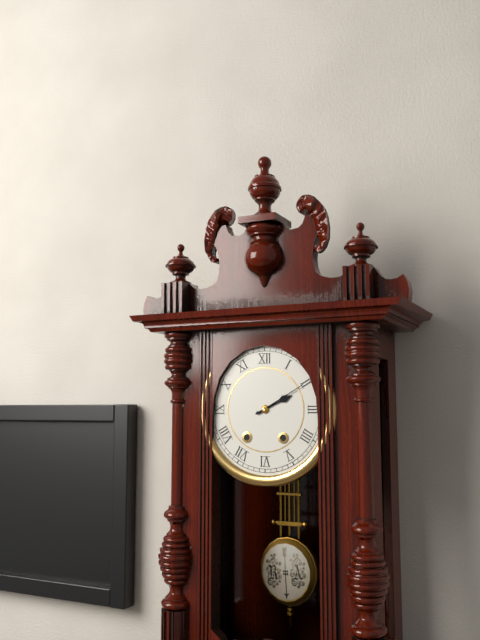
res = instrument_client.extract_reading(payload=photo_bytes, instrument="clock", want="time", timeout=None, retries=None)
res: 2:10
